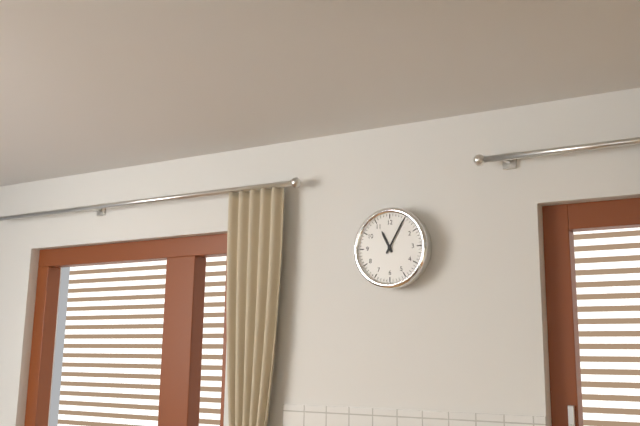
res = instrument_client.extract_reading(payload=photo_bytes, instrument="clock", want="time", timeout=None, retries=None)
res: 11:05
